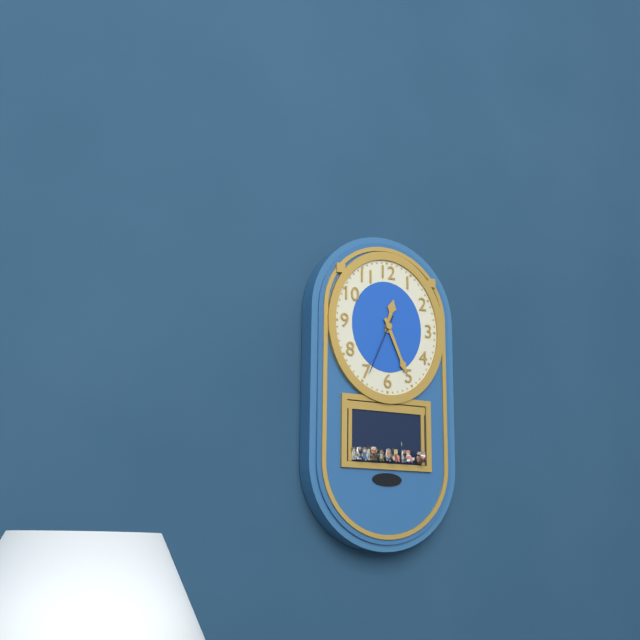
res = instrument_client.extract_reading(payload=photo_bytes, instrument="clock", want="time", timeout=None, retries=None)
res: 12:26:34
